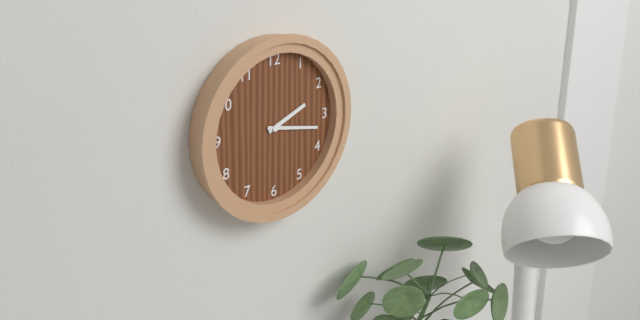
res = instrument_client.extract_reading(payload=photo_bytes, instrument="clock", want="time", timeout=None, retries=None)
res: 2:17
